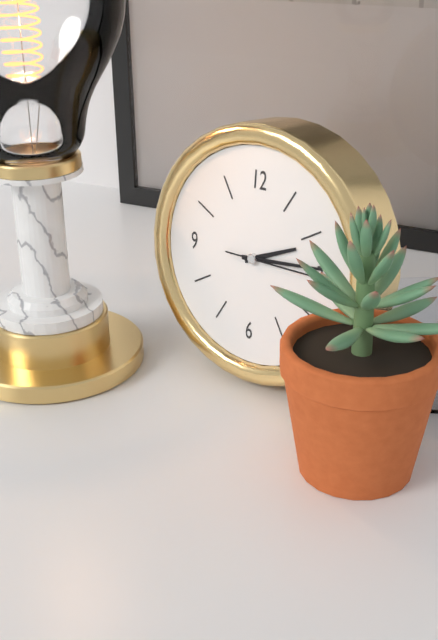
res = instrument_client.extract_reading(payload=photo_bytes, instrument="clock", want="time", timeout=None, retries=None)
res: 2:14
